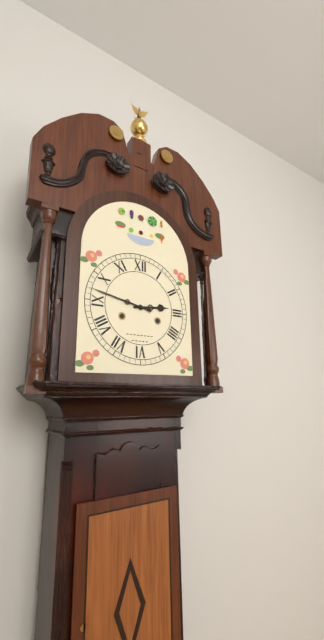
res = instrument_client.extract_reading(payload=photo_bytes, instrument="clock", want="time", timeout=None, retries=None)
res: 2:47
